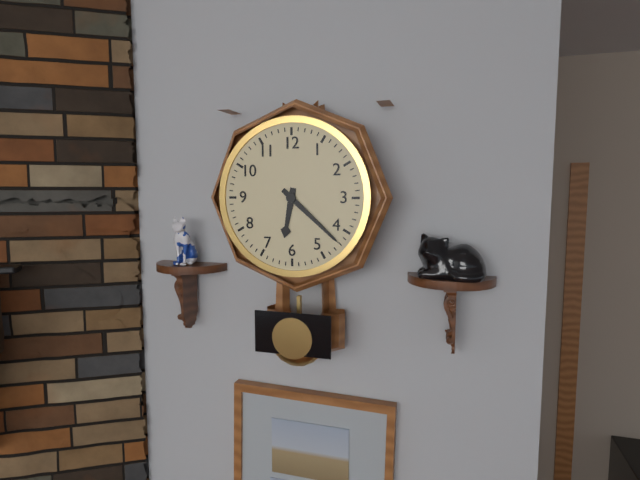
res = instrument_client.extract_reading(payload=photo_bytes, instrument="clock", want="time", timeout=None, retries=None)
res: 6:22
